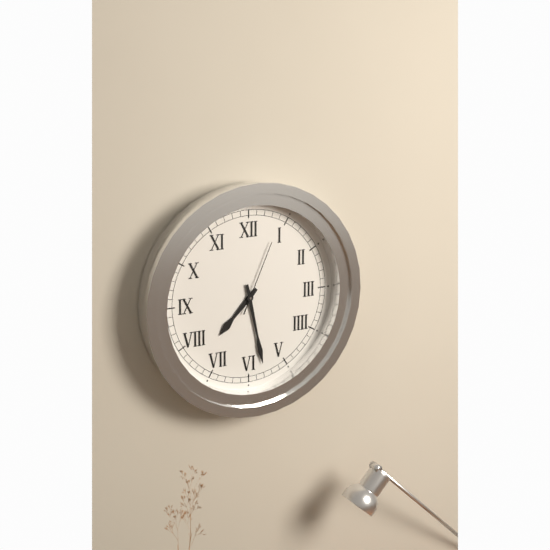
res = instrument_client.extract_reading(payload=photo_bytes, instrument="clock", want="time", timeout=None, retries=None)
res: 7:28:04
